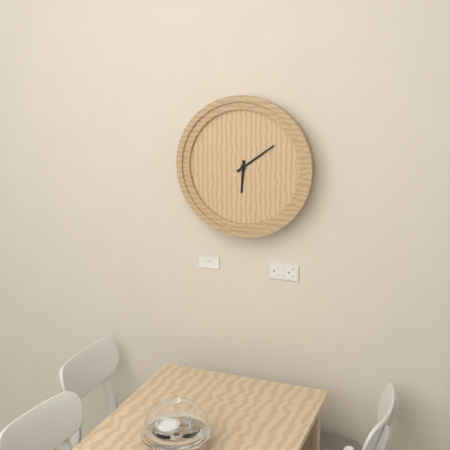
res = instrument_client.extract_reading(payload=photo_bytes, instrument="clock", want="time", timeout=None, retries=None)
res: 6:09
